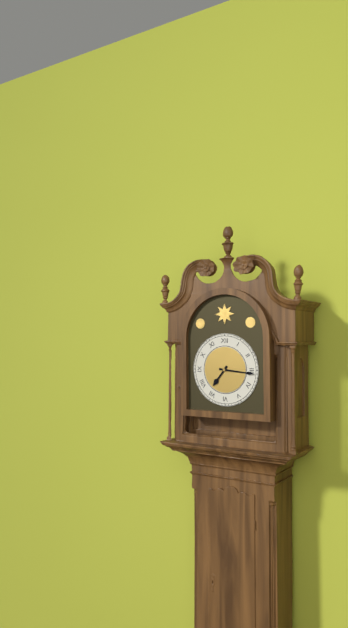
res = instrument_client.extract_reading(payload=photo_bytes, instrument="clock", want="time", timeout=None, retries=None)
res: 7:16
